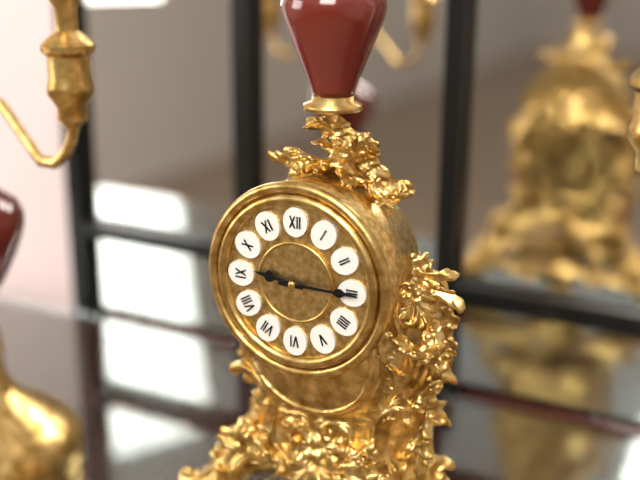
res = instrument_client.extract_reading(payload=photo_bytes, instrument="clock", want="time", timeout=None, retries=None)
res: 9:15
